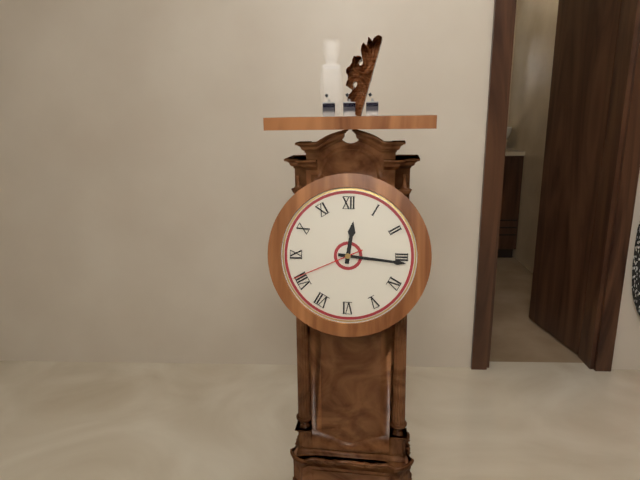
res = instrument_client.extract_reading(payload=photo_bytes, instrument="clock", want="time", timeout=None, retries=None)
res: 12:16:41
